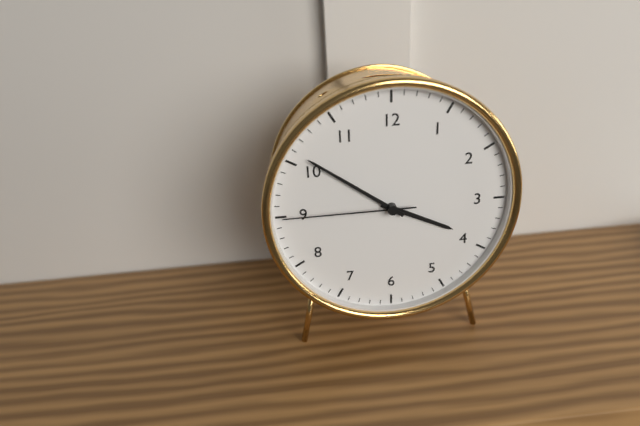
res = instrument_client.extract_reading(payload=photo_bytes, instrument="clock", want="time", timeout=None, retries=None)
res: 3:51:45
